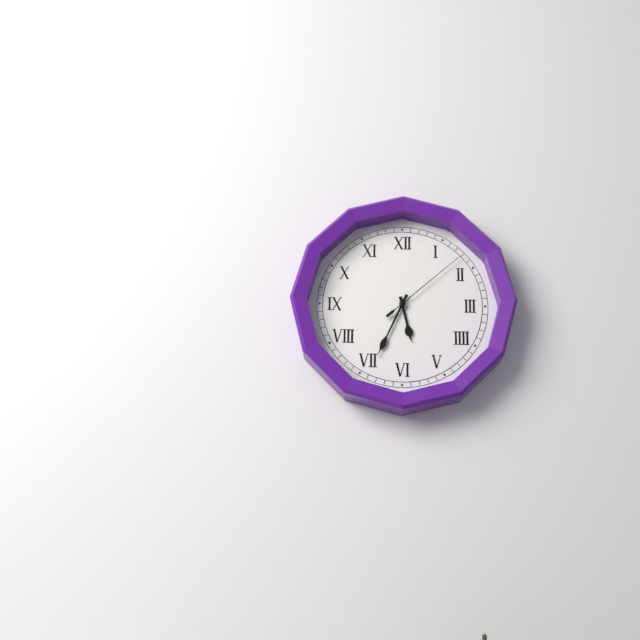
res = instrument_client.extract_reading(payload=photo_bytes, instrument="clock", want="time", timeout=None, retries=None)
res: 5:34:08
